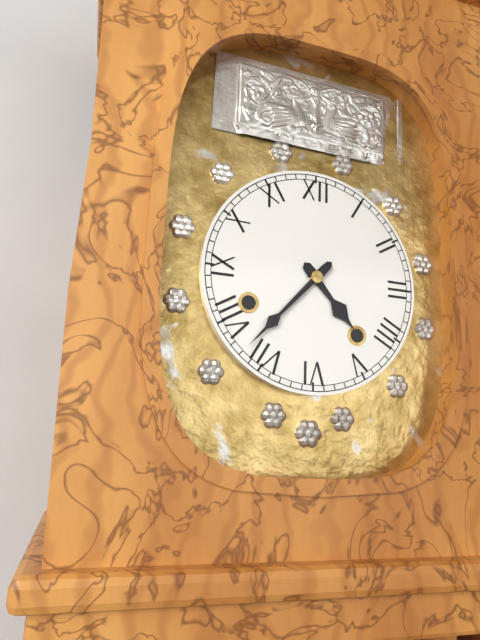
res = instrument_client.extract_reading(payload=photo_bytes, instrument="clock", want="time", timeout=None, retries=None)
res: 4:37
